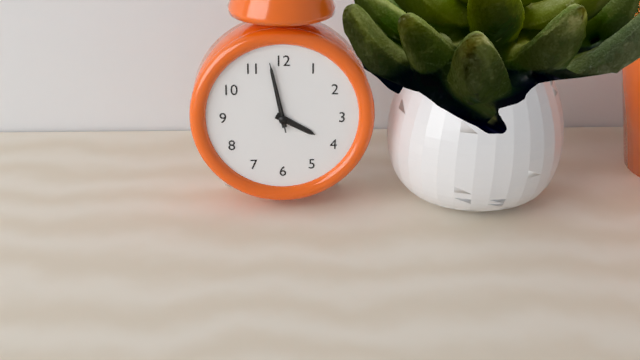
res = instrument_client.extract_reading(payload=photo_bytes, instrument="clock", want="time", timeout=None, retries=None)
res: 3:58:58
